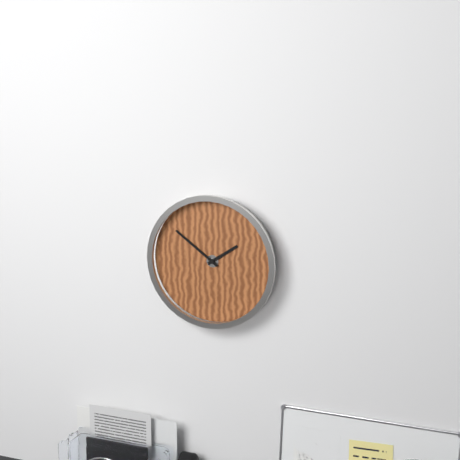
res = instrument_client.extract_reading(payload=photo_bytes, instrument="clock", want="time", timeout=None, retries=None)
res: 1:51
